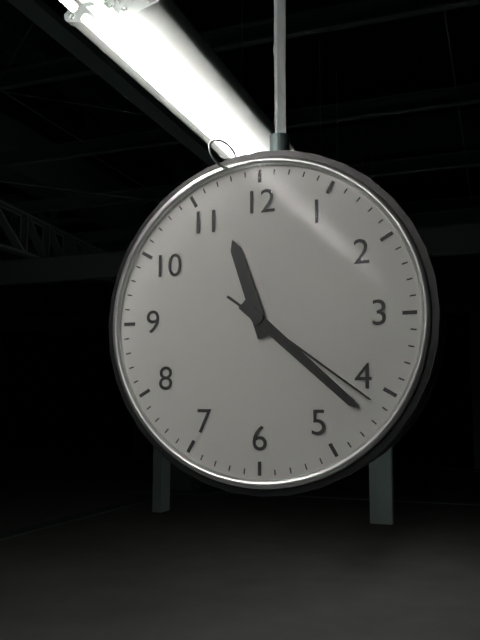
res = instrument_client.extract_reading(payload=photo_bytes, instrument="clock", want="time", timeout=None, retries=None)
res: 11:22:21
